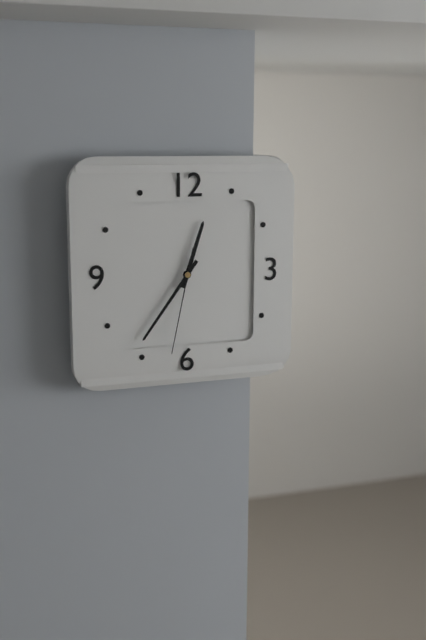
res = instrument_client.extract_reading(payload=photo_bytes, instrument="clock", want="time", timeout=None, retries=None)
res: 12:36:32
